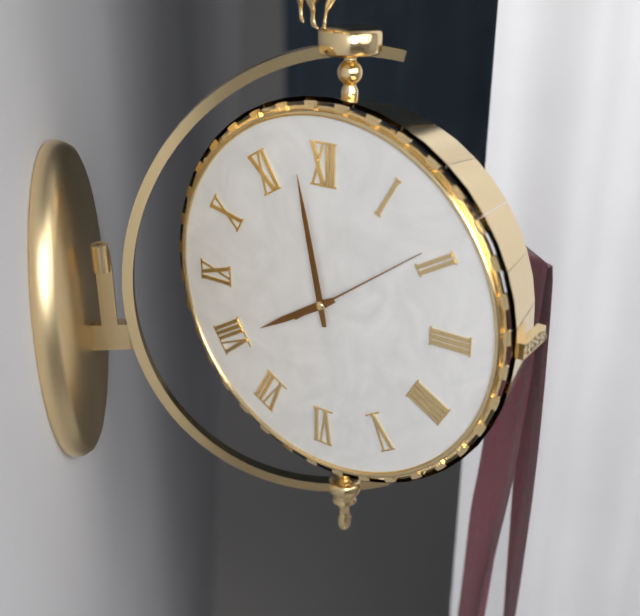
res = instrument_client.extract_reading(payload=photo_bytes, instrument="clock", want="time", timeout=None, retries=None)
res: 7:58:09
